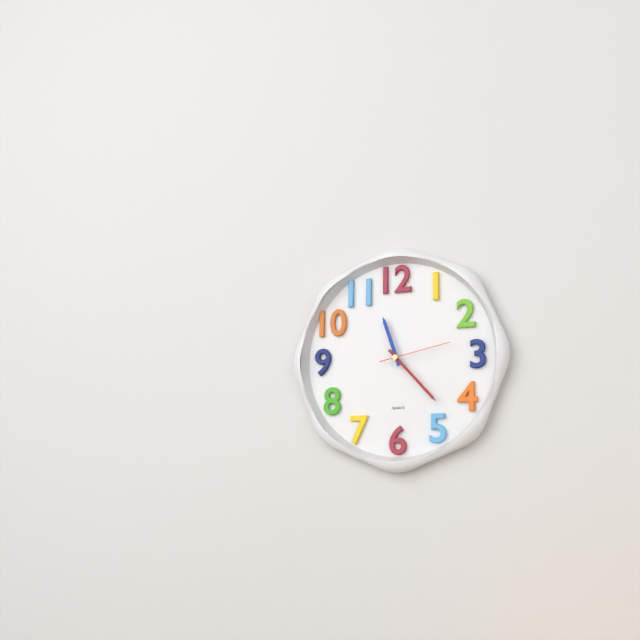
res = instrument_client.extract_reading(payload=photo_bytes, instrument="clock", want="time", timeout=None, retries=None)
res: 11:23:13
